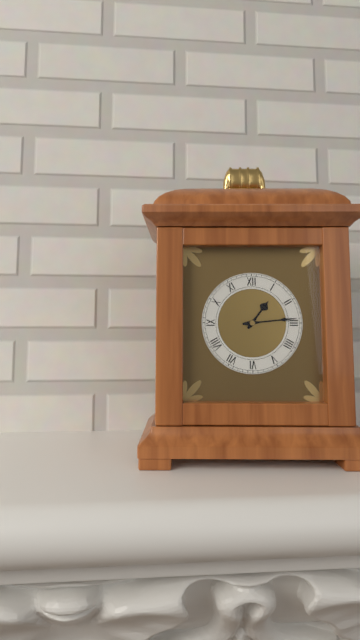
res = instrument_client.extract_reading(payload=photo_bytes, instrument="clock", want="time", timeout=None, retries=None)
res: 1:14
